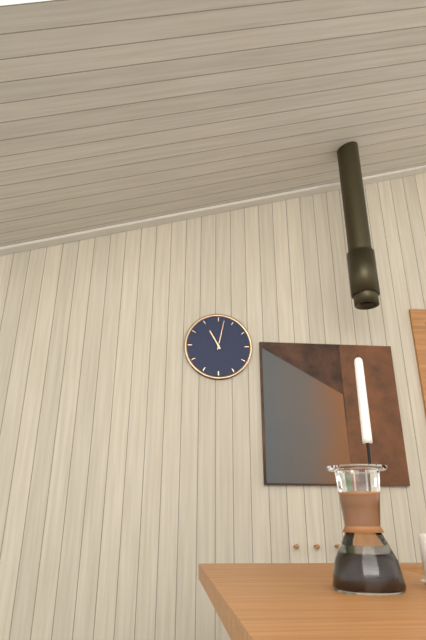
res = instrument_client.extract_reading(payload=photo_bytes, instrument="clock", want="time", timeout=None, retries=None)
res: 11:02
